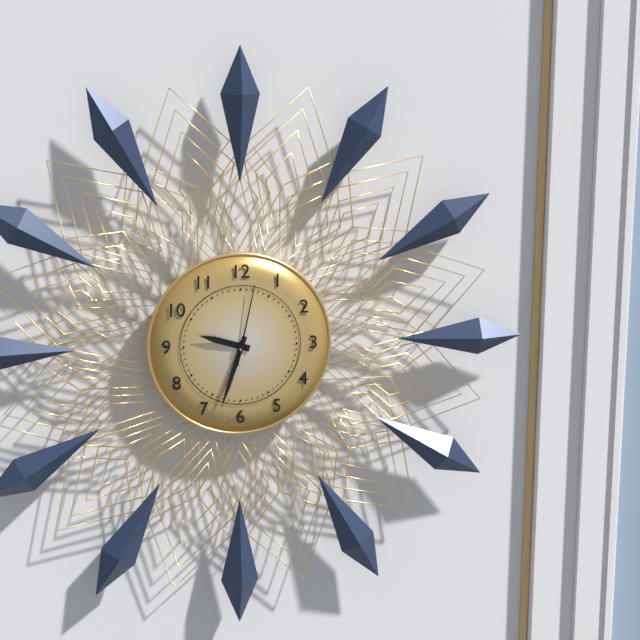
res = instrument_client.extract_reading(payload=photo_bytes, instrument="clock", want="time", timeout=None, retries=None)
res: 9:33:02
